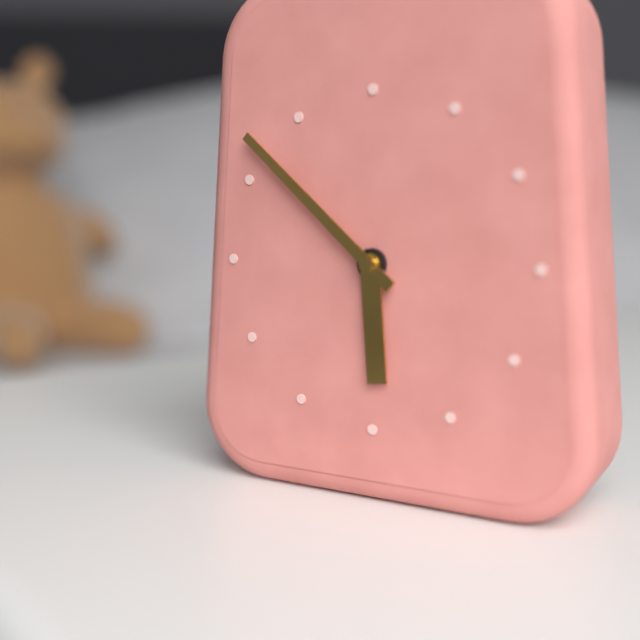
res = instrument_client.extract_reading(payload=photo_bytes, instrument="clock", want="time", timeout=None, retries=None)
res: 5:52
